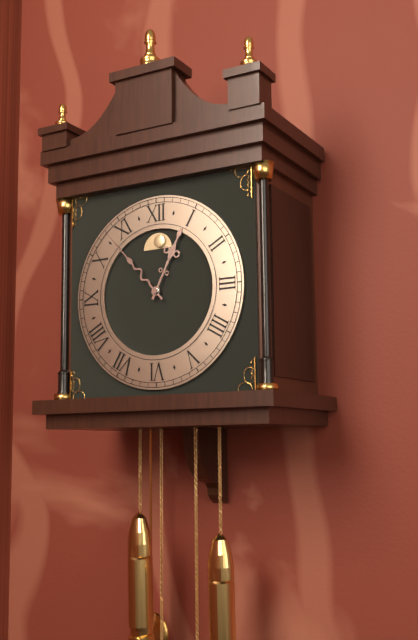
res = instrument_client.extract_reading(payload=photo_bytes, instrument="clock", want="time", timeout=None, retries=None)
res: 12:53
